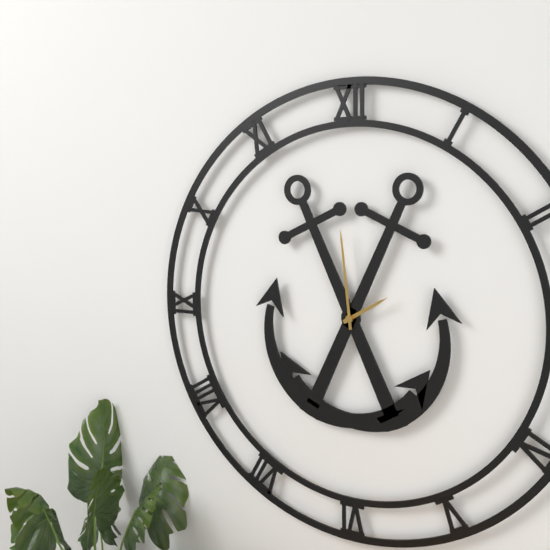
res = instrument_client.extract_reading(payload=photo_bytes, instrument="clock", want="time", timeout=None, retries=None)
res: 1:59
